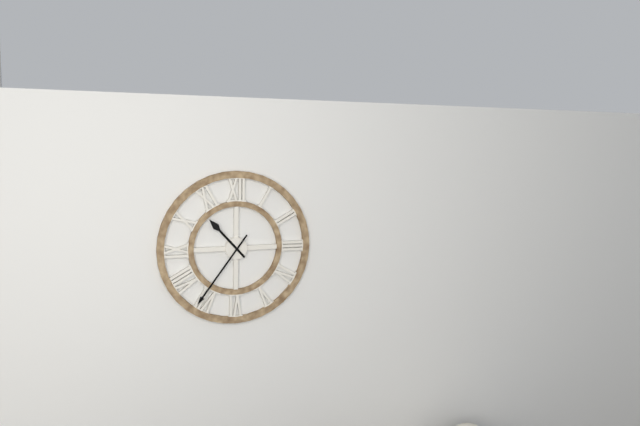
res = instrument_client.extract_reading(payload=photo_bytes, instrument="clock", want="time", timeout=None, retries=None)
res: 10:36
